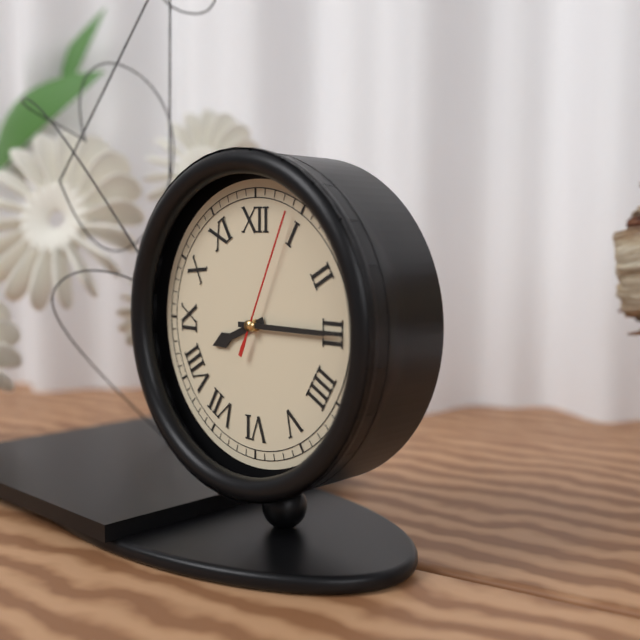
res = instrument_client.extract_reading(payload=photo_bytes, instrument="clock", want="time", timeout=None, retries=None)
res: 8:15:04
